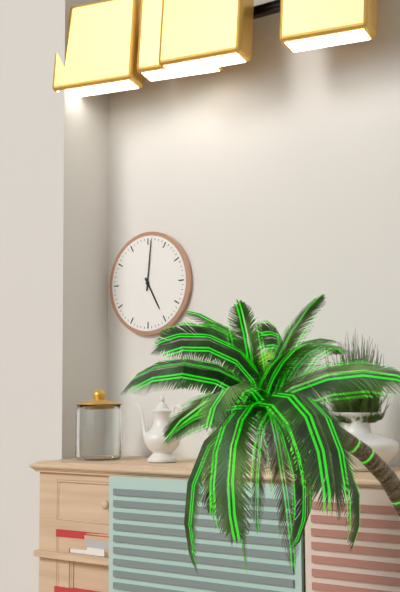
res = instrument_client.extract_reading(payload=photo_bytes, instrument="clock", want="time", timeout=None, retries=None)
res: 5:01
